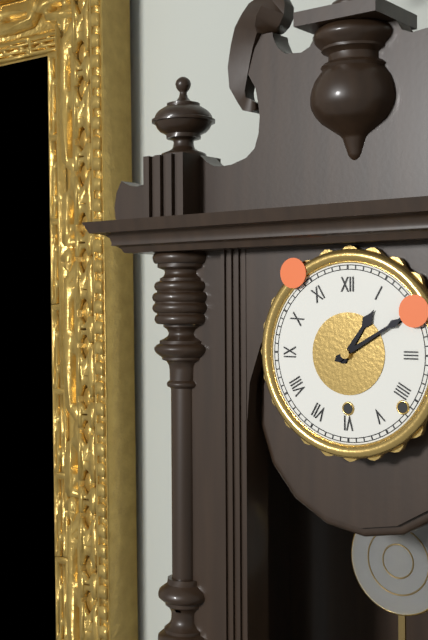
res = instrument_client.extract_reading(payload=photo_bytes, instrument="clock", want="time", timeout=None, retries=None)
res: 1:10
